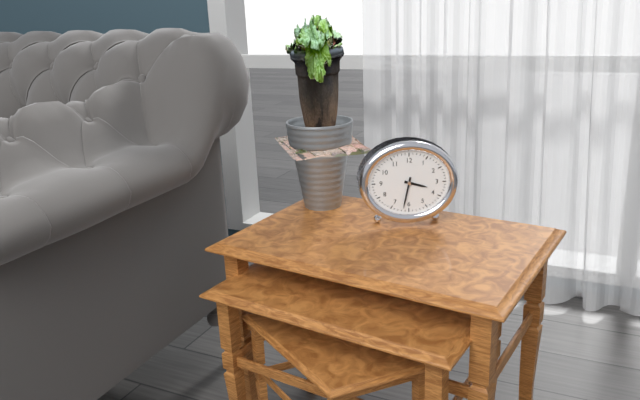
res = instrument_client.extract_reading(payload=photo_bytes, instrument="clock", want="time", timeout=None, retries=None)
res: 3:32
